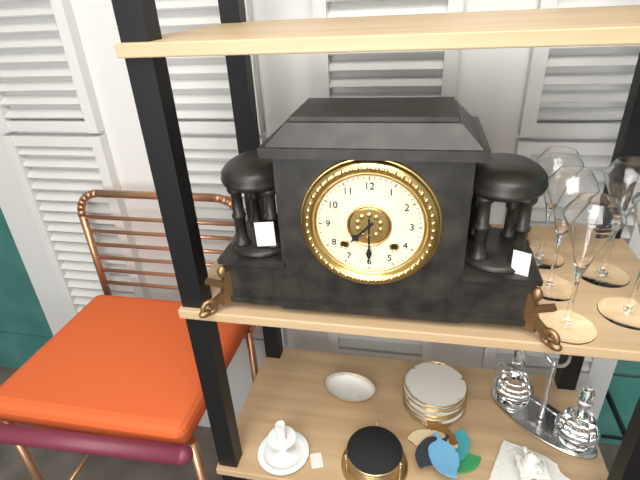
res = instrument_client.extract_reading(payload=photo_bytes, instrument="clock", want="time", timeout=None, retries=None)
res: 7:30
